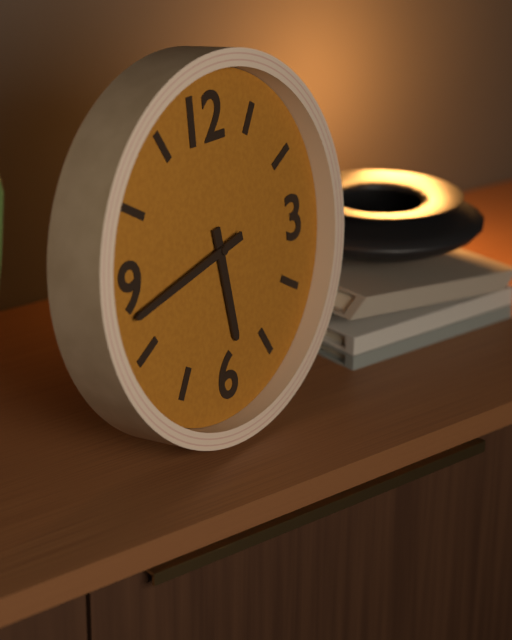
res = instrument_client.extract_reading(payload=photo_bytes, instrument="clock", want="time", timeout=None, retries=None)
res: 5:43
